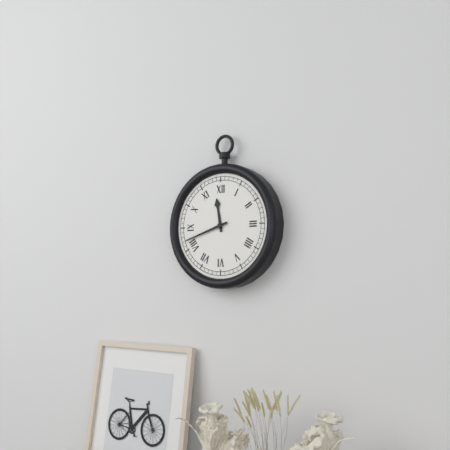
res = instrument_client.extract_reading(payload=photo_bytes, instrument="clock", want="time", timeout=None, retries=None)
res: 11:42
